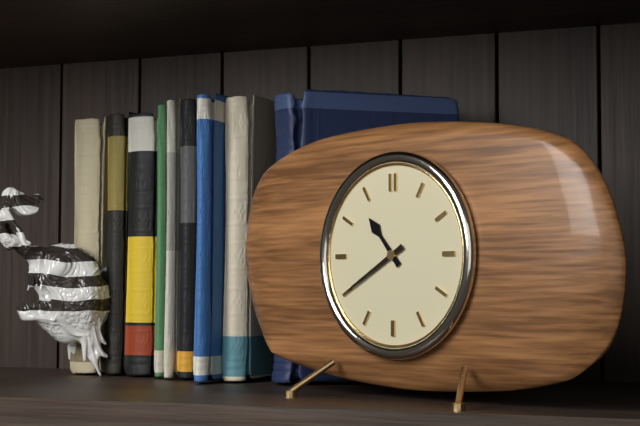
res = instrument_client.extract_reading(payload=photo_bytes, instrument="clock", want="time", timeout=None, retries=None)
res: 10:40
